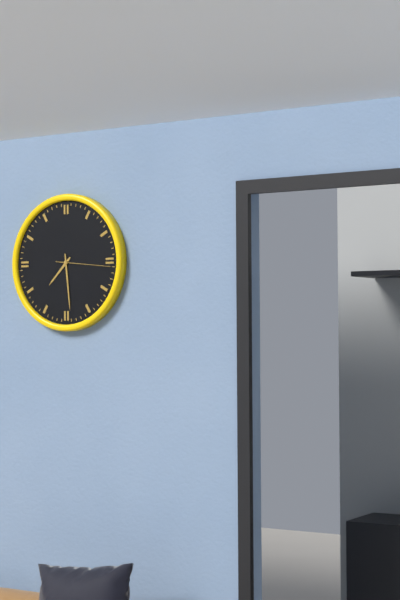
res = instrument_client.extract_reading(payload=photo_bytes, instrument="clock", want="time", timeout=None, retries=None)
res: 7:29
